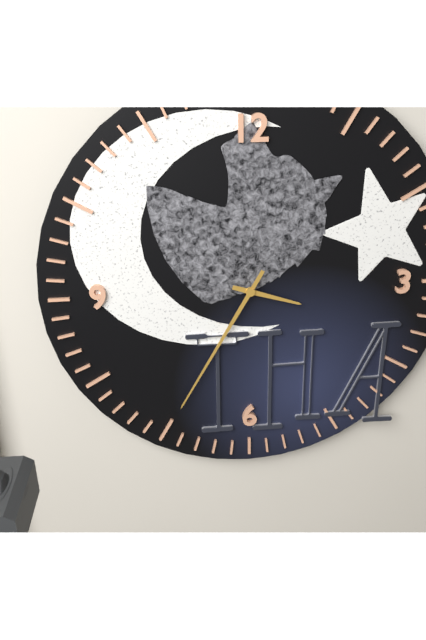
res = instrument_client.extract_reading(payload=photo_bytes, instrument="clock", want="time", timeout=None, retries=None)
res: 3:35
